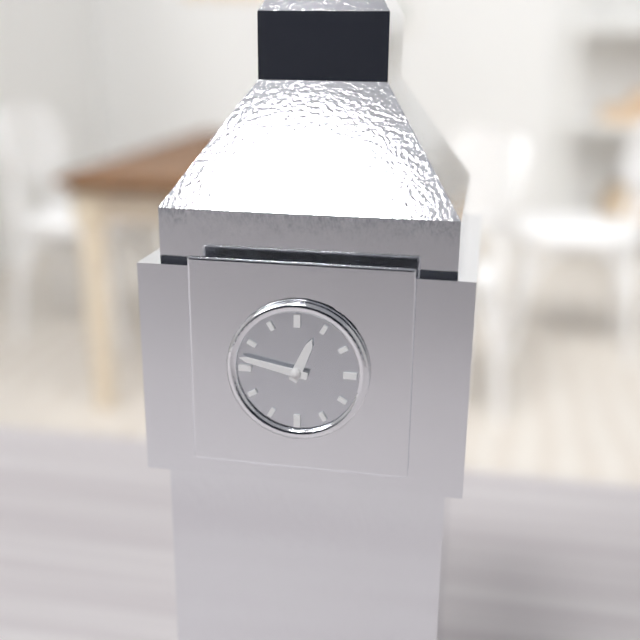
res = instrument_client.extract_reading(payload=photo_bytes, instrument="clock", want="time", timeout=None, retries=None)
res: 12:47
